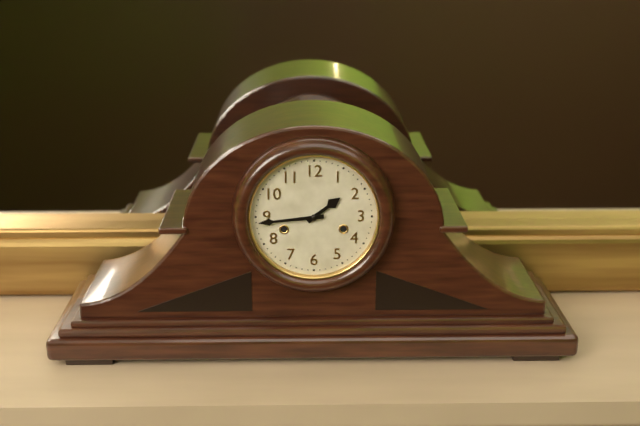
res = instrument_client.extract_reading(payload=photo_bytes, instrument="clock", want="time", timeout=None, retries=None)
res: 1:44
